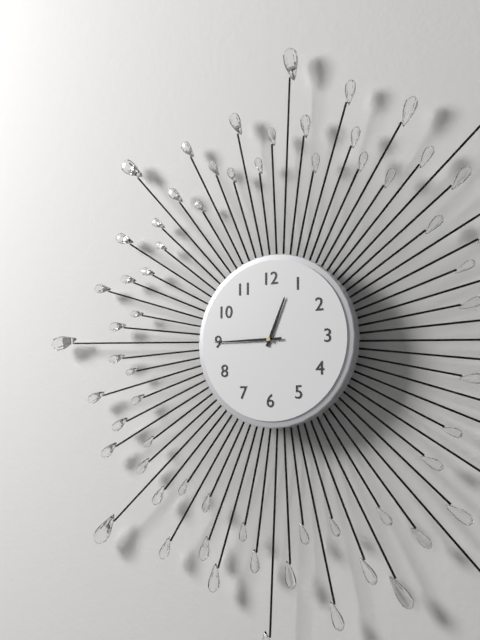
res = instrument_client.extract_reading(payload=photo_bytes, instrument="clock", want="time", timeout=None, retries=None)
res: 12:45
